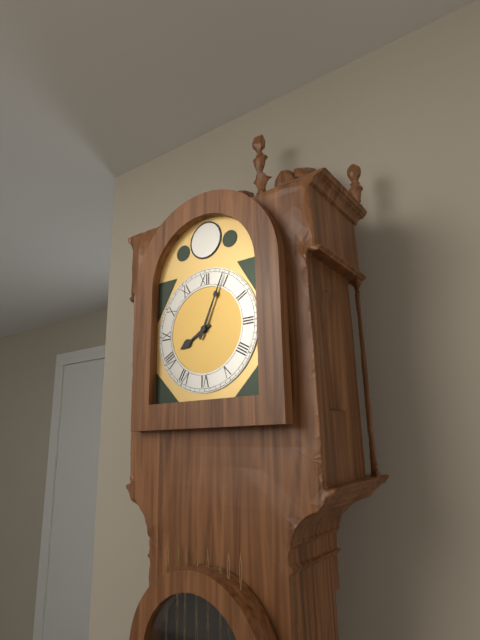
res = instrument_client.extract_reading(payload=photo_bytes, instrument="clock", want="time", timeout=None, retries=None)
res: 8:04
